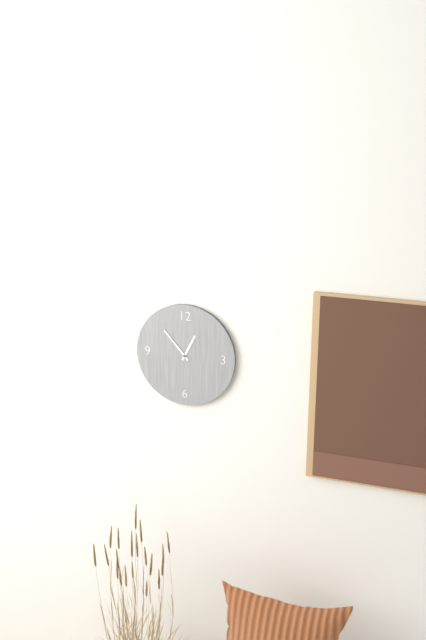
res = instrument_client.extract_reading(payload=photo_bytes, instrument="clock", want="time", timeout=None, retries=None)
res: 12:53
